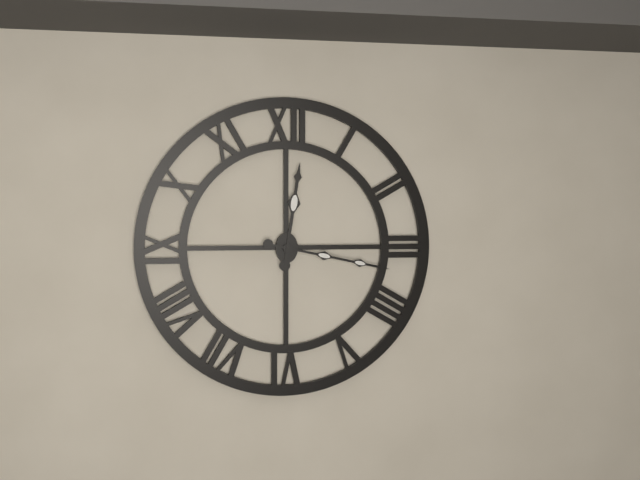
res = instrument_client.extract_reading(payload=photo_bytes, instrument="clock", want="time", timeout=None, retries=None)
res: 12:17
